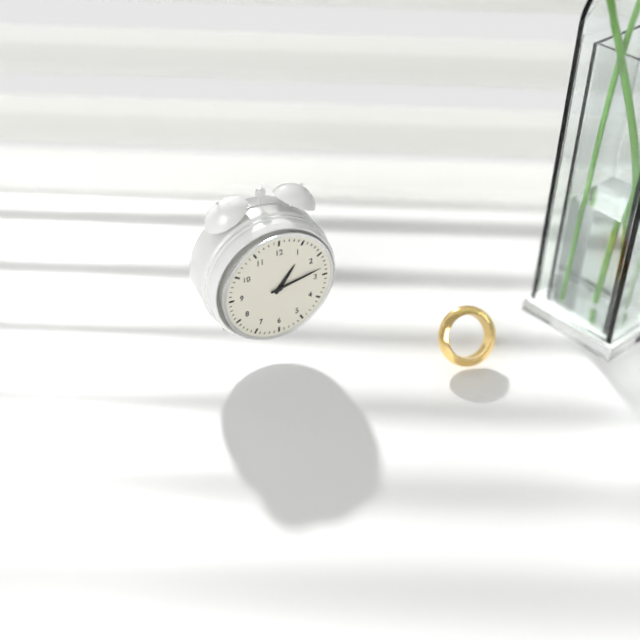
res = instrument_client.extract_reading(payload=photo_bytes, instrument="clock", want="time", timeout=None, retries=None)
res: 1:13
